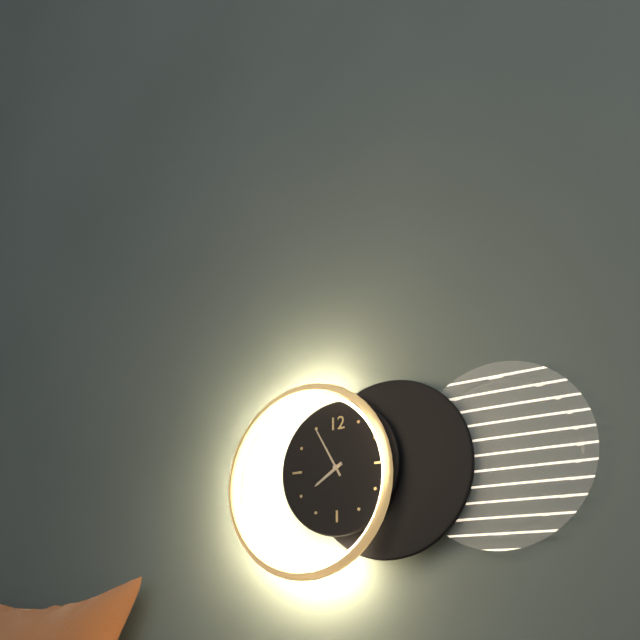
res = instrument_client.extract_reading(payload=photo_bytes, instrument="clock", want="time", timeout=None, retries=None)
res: 7:55
